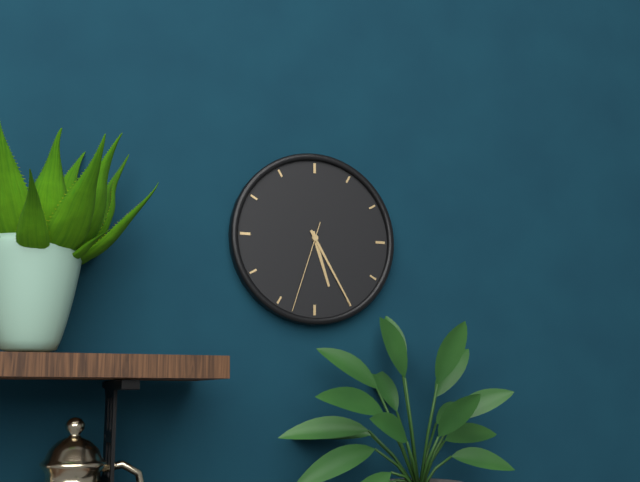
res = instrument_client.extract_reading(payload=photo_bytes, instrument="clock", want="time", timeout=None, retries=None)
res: 5:25:33
